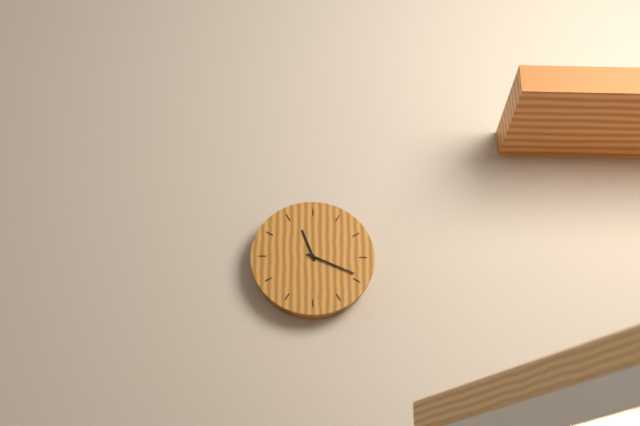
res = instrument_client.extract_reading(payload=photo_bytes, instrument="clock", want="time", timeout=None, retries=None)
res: 11:19
